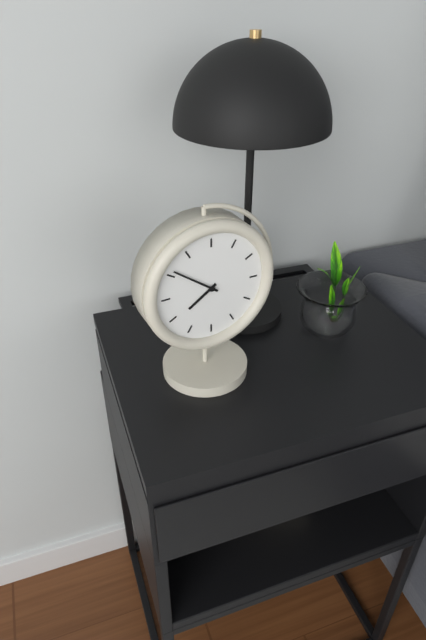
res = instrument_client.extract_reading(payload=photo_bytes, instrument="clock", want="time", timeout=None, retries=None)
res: 7:51
